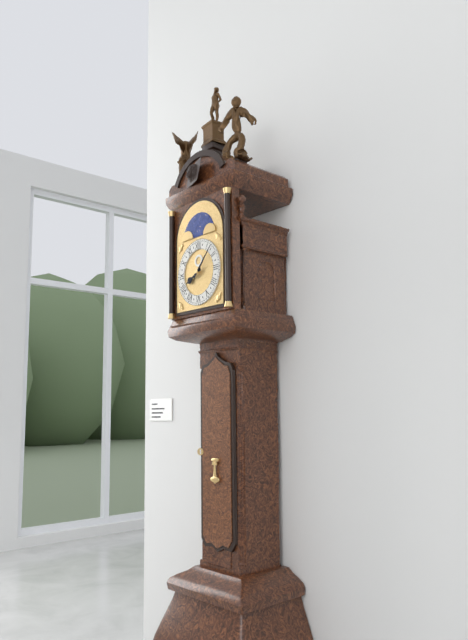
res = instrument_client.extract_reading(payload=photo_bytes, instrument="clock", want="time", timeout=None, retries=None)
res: 8:07
